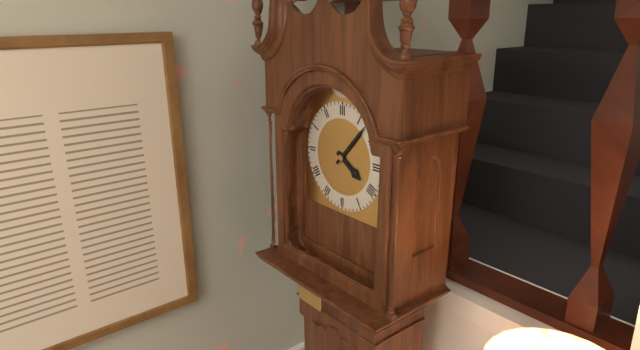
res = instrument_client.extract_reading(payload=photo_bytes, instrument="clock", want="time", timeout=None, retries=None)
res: 4:07
